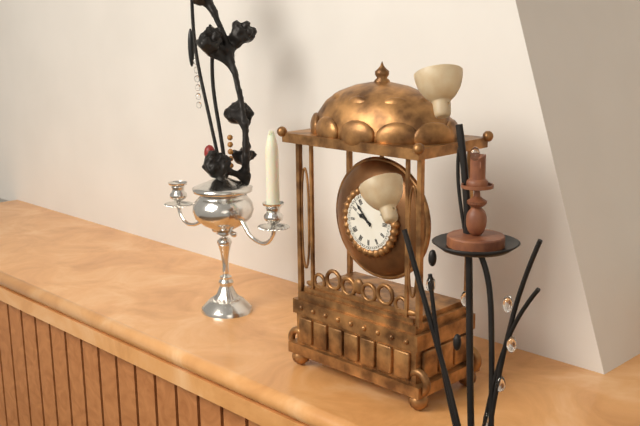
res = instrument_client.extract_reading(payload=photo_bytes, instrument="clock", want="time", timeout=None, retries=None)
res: 9:53
